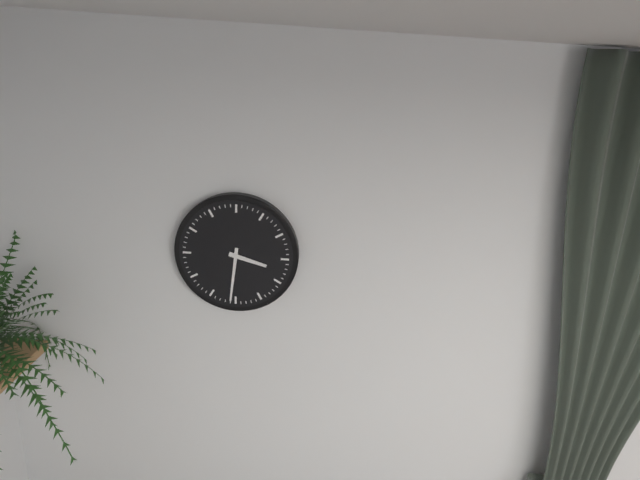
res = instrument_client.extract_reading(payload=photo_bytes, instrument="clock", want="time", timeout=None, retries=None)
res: 3:31
